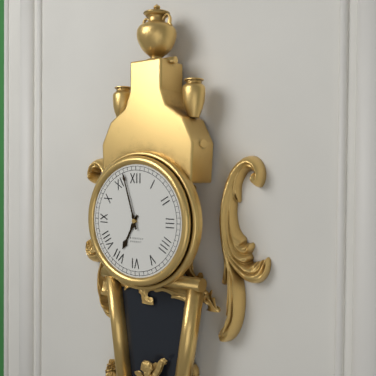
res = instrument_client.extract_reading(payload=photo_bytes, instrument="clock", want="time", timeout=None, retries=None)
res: 6:57
